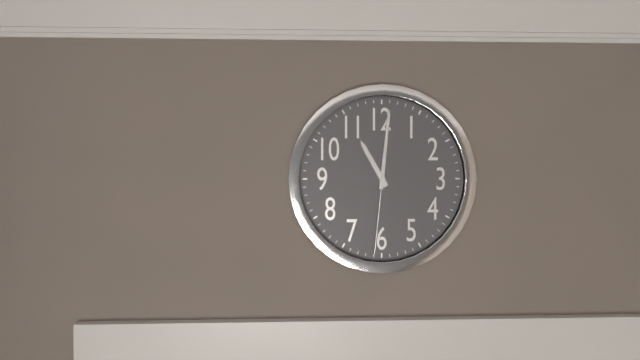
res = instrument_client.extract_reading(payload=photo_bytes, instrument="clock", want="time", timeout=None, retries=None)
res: 11:01:31
